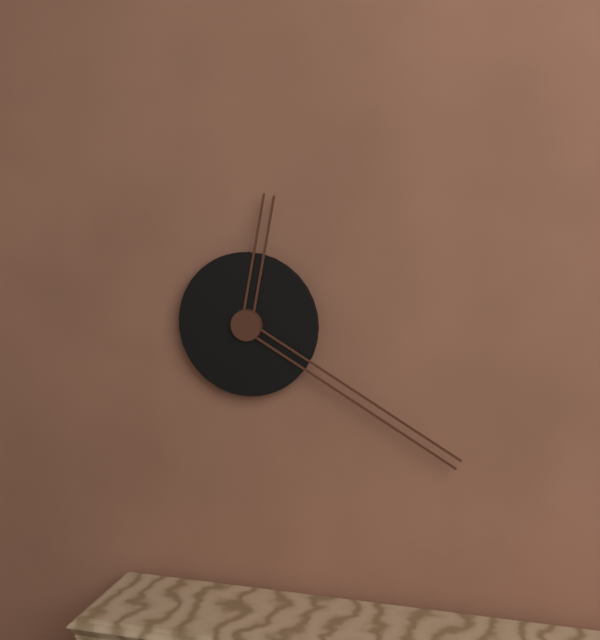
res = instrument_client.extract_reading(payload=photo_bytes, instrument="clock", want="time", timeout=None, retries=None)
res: 12:20
